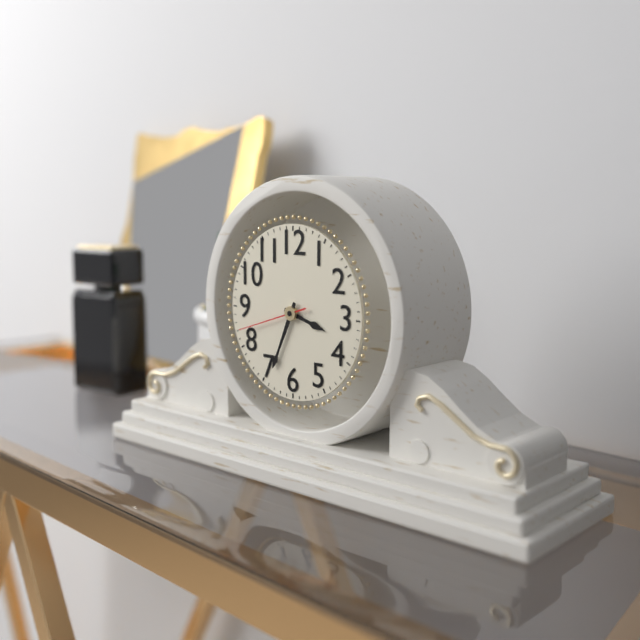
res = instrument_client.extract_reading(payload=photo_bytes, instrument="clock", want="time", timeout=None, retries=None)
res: 3:34:42
